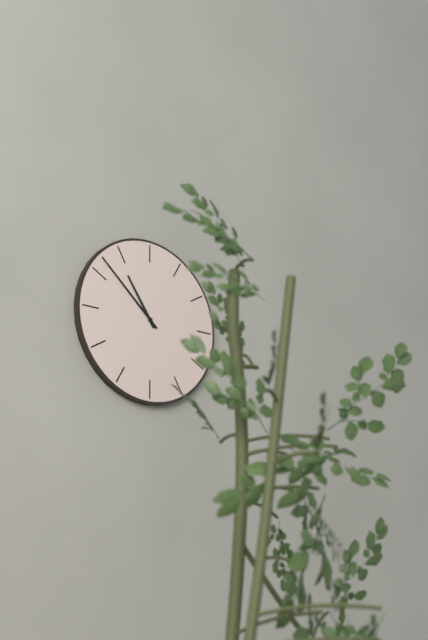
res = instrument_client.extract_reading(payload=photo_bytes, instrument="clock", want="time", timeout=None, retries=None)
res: 10:52
